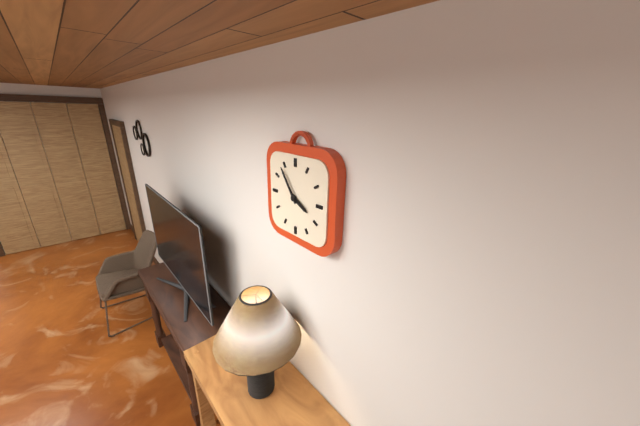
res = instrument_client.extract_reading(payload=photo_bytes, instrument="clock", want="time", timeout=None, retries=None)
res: 3:54
